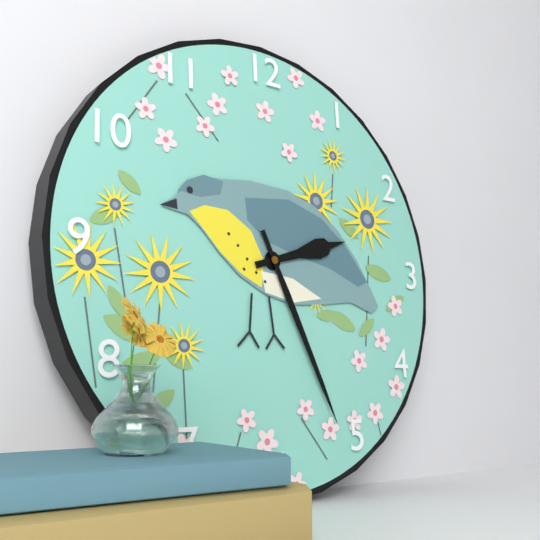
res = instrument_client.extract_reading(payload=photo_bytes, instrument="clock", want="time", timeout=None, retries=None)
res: 2:26
